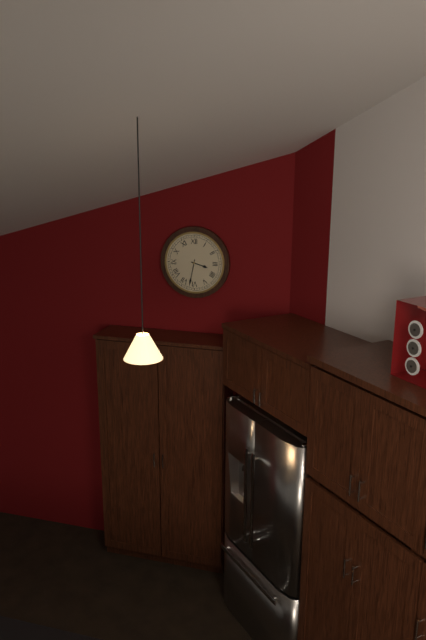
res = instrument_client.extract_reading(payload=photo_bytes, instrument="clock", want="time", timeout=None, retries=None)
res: 3:32
